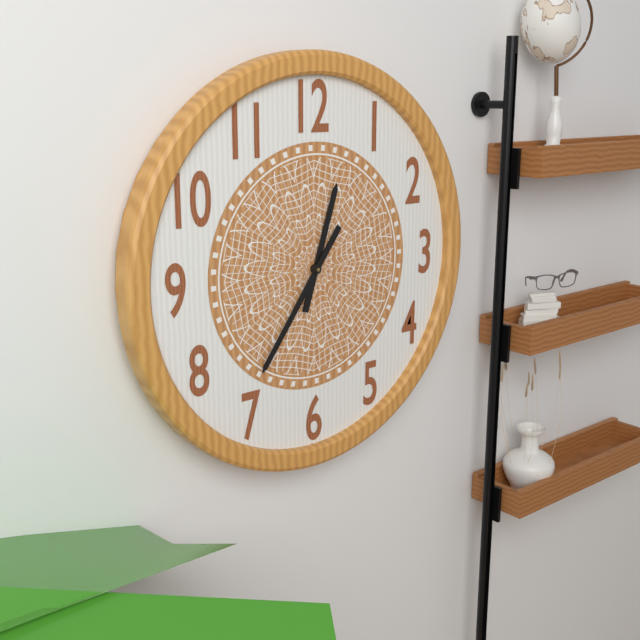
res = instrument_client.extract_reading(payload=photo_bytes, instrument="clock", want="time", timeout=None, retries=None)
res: 12:36
